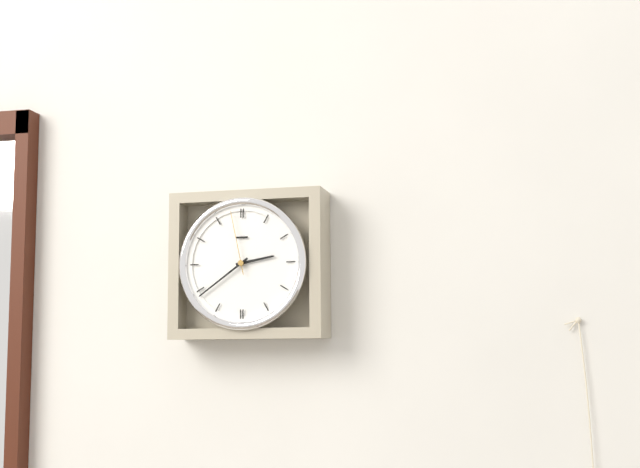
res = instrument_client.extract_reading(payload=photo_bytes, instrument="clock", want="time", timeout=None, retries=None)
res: 2:39:58
